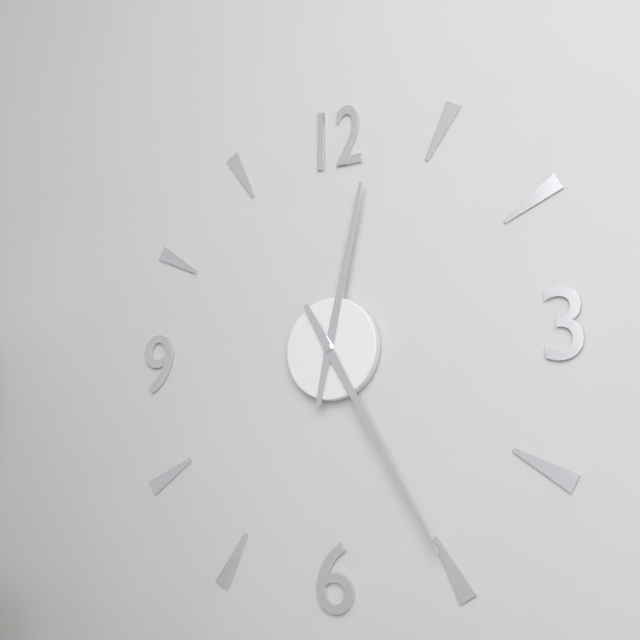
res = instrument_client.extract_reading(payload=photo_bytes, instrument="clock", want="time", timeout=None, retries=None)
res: 12:25
